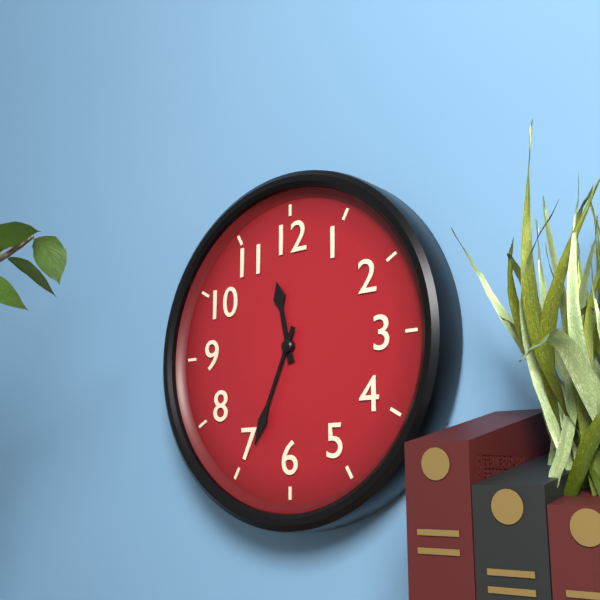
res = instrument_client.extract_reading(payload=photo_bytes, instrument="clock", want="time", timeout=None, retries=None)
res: 11:34
